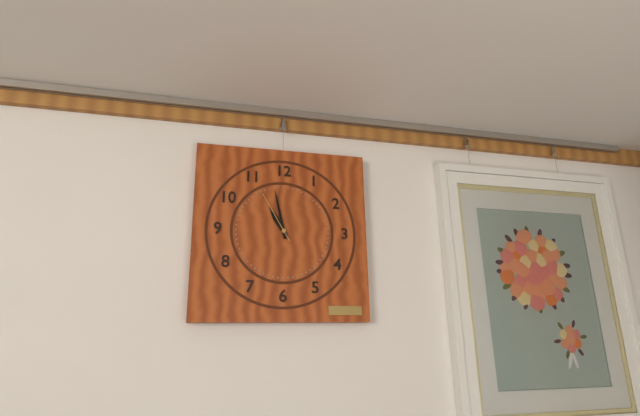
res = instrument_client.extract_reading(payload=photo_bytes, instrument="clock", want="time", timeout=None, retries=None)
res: 10:58:55
